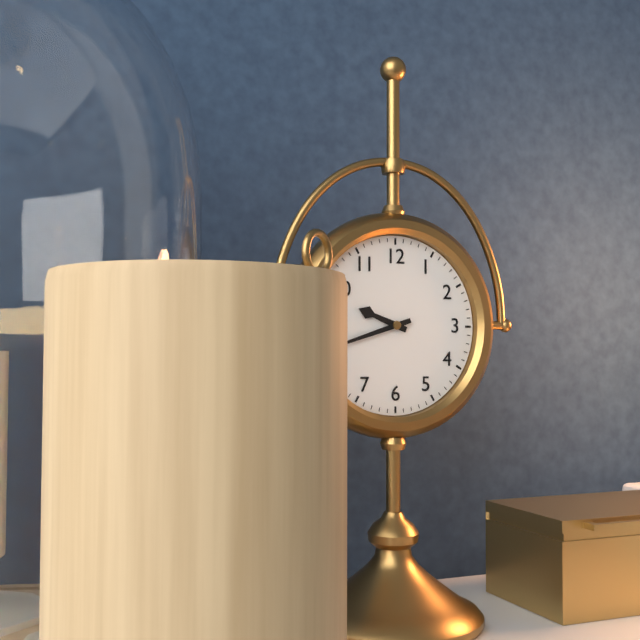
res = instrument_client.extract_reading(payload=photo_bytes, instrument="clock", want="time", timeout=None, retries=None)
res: 9:42
